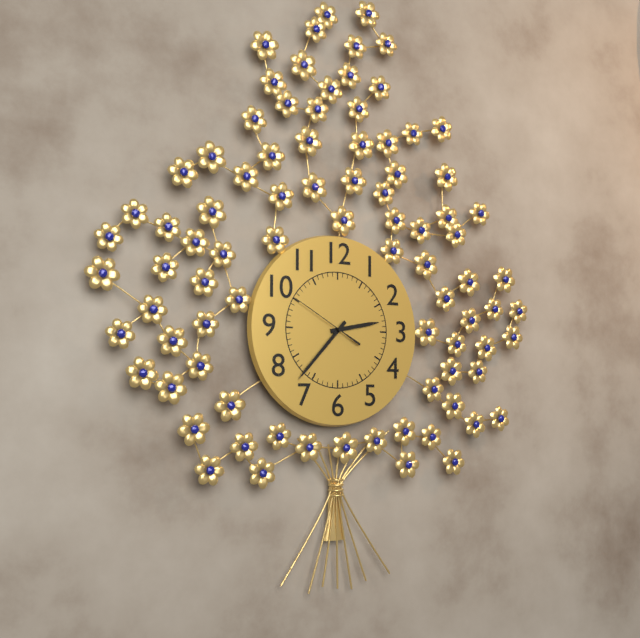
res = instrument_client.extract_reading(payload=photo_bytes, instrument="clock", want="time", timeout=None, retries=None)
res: 2:37:50
